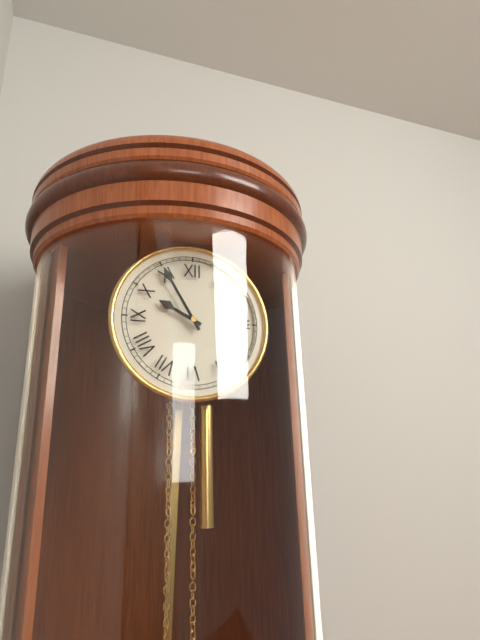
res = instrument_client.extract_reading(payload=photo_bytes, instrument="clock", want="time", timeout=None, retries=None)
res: 9:55
